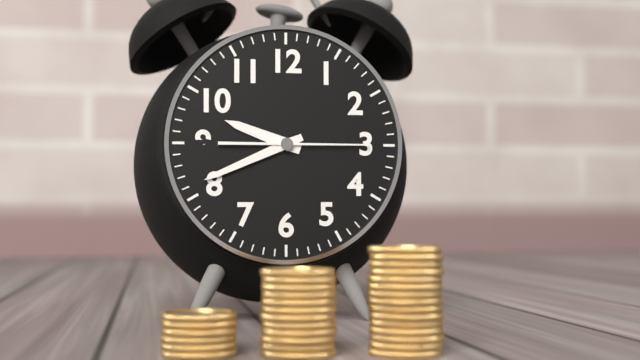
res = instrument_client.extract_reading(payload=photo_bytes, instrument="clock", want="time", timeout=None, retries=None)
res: 9:41:15
